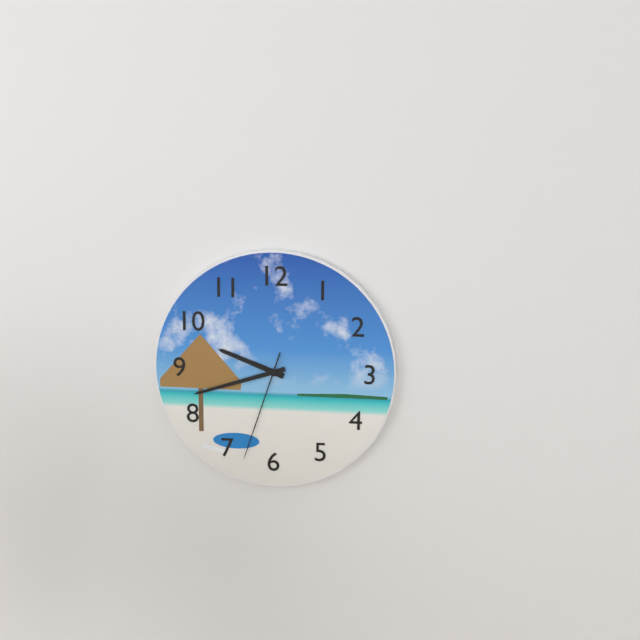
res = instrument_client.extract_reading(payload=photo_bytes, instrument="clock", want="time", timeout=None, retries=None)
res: 9:42:33
